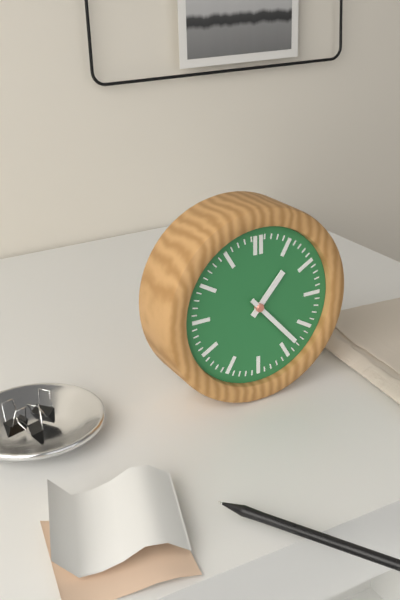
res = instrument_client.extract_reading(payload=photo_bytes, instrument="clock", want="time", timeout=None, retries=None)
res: 1:23
